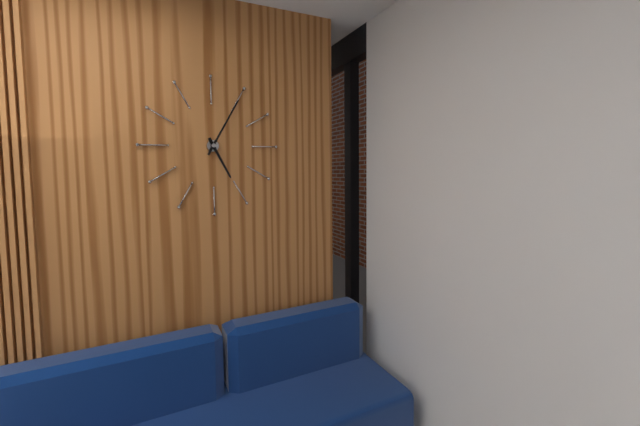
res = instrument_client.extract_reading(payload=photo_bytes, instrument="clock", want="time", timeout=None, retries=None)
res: 5:05
